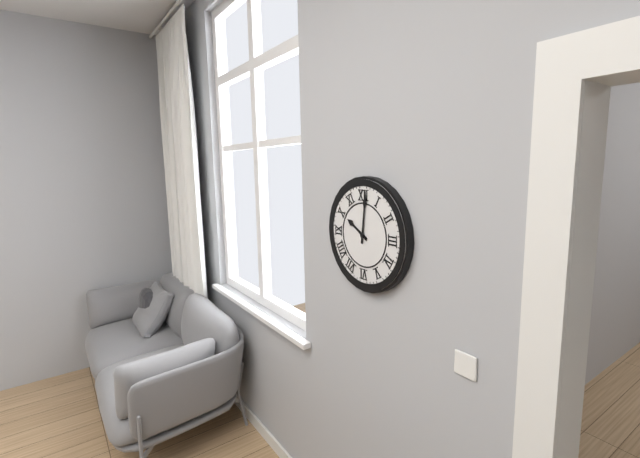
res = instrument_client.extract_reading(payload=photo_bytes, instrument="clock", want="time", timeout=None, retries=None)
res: 10:01
